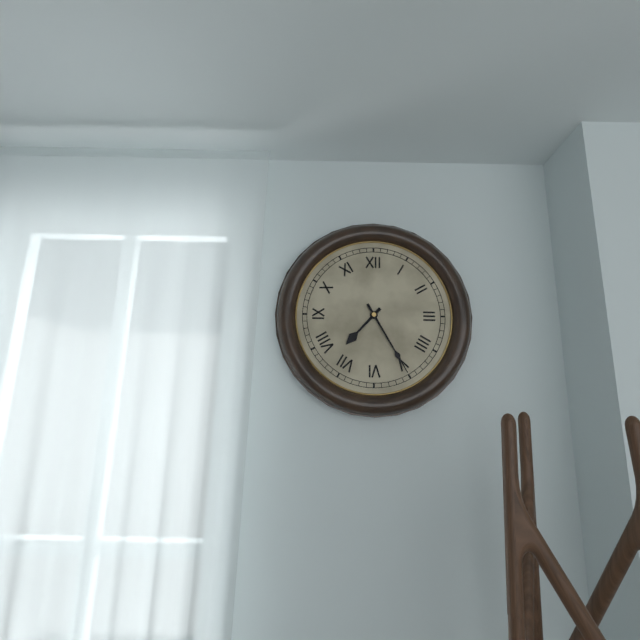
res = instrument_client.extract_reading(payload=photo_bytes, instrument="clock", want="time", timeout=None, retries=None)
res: 7:25
